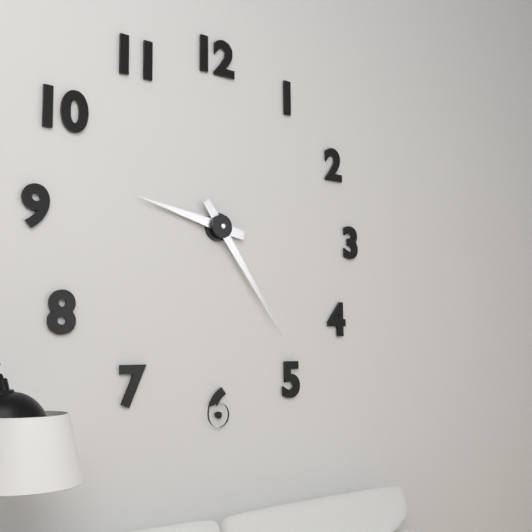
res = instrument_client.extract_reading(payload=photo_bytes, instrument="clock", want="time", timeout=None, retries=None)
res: 9:24
